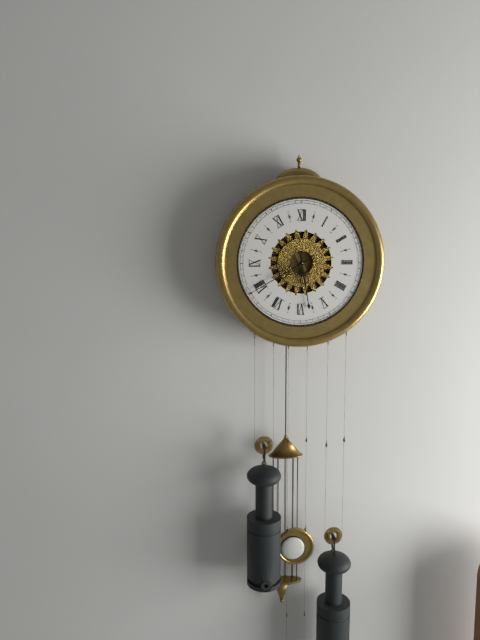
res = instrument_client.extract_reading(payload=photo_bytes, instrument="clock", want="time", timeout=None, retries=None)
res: 5:40
